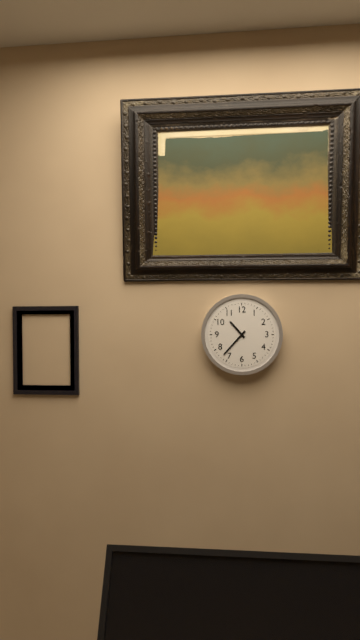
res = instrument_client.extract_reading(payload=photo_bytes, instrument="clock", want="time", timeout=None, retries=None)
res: 10:37
